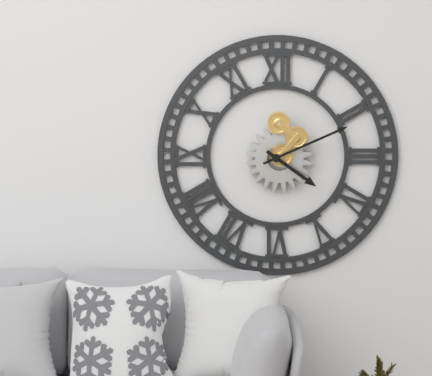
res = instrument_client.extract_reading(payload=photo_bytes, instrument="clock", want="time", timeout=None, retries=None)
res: 4:11
